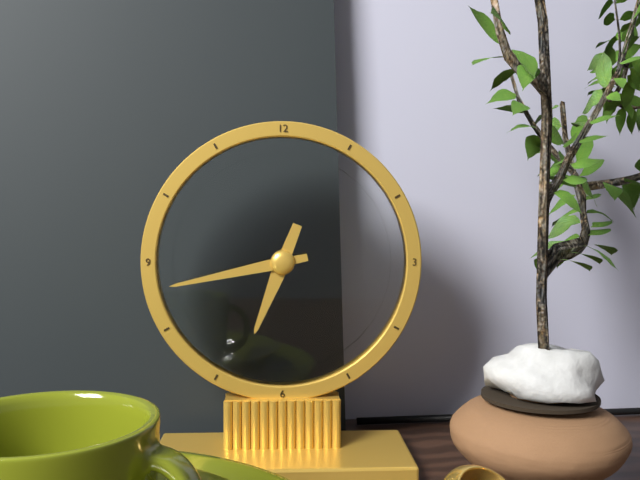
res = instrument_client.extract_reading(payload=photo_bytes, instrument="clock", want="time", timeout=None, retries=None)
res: 6:43
